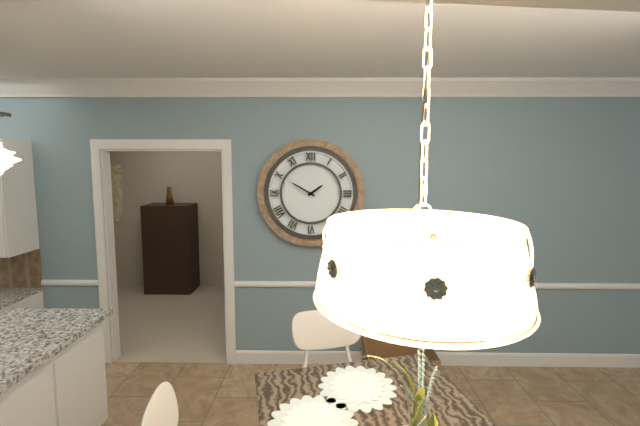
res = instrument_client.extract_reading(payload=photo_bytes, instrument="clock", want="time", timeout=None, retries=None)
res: 1:50
